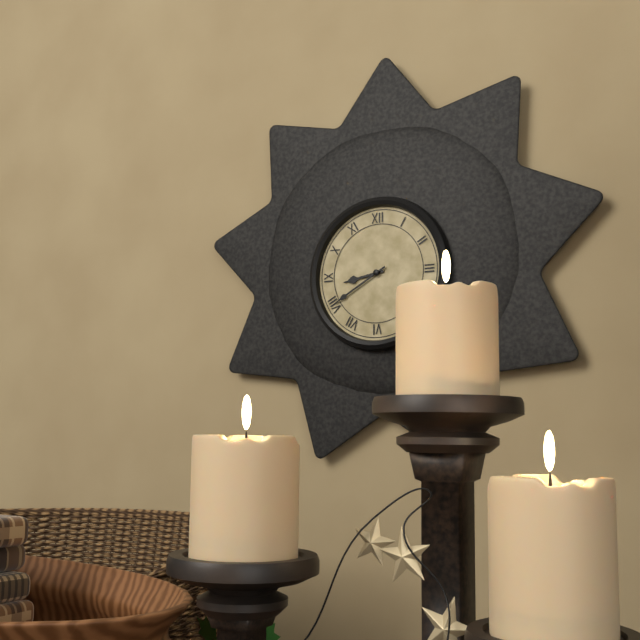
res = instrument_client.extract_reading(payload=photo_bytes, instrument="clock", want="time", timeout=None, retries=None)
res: 8:40
